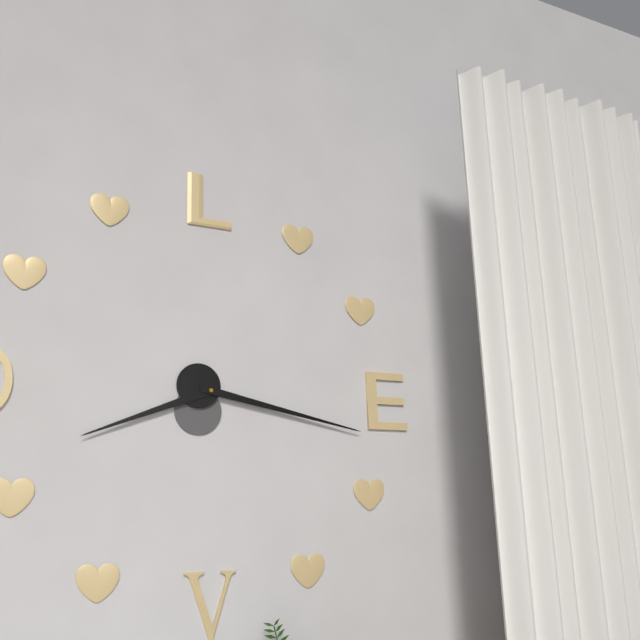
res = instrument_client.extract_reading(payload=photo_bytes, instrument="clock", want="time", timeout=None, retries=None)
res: 8:17
